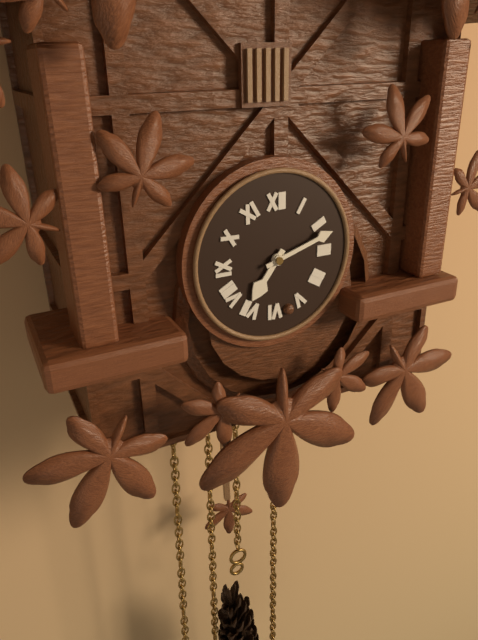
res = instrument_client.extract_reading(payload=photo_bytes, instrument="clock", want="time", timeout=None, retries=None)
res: 7:12
